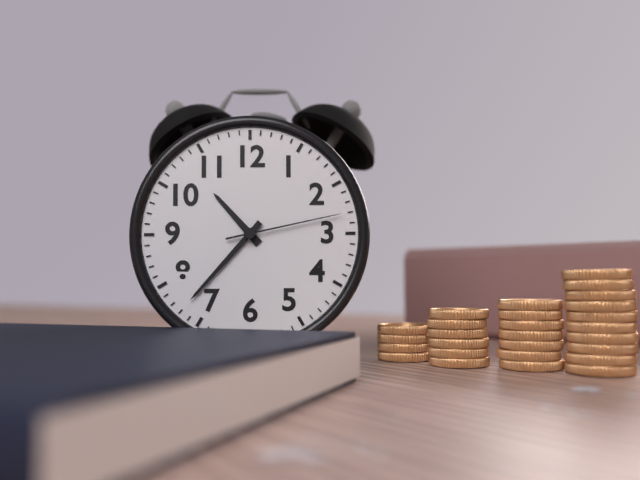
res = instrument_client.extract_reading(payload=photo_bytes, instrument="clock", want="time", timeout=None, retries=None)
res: 10:37:13
